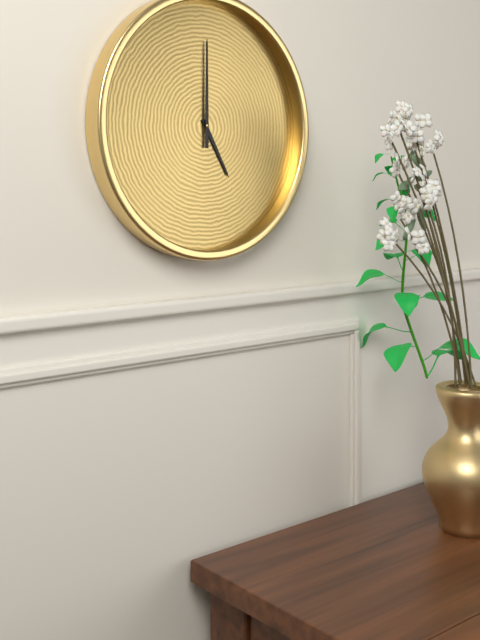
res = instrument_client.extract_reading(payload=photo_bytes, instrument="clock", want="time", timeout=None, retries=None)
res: 5:00
